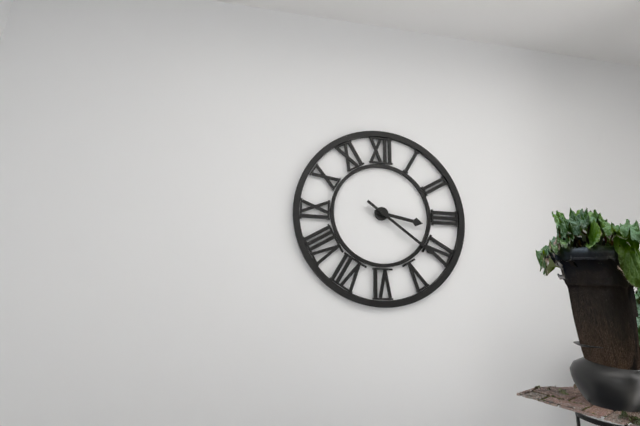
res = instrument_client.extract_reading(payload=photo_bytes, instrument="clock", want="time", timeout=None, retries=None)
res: 3:21
